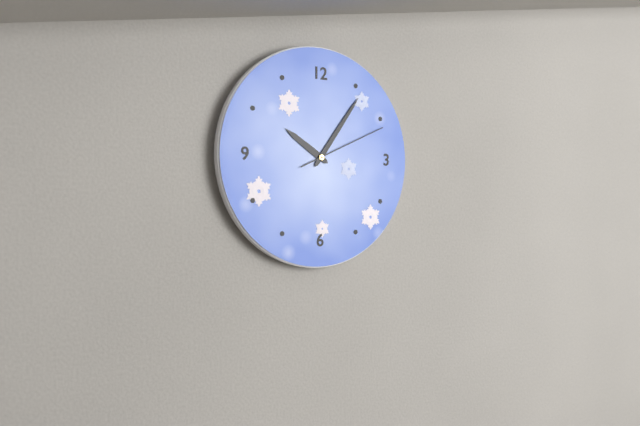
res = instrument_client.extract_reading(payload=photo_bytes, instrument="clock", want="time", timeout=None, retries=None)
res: 10:06:11
